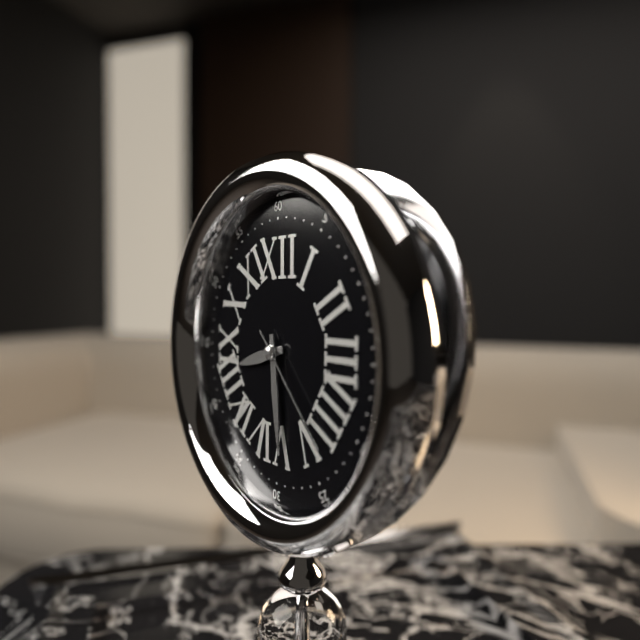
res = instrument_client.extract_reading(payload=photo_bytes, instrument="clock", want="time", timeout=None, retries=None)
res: 8:29:23
